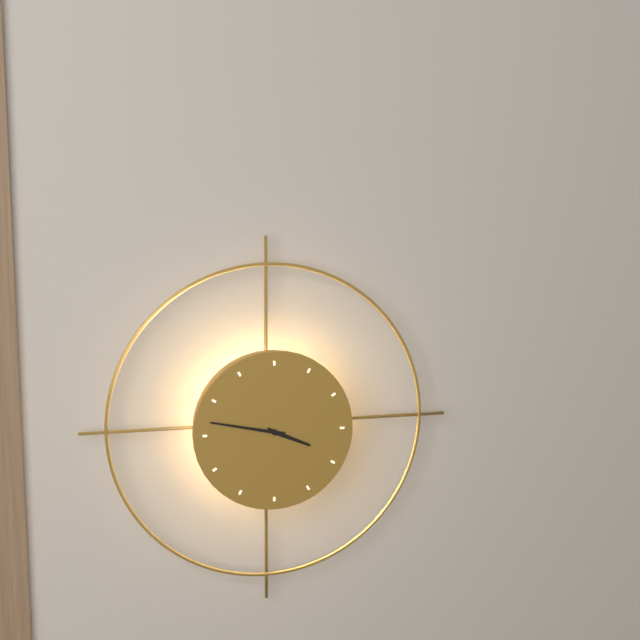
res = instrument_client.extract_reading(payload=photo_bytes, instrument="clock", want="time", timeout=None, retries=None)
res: 3:47
